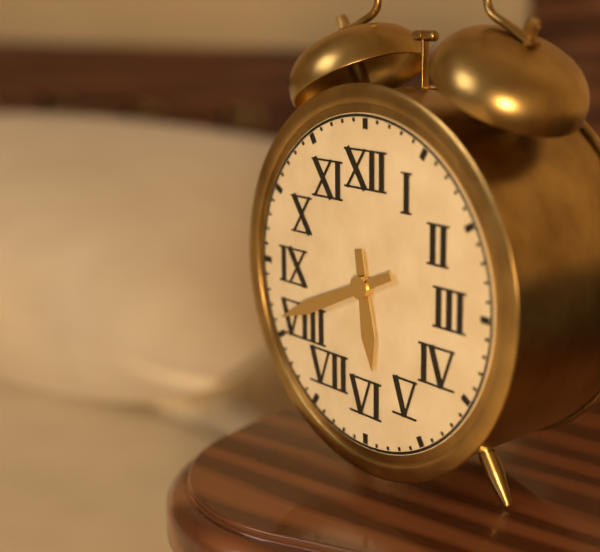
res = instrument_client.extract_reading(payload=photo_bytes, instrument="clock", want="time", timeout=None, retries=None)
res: 5:41
